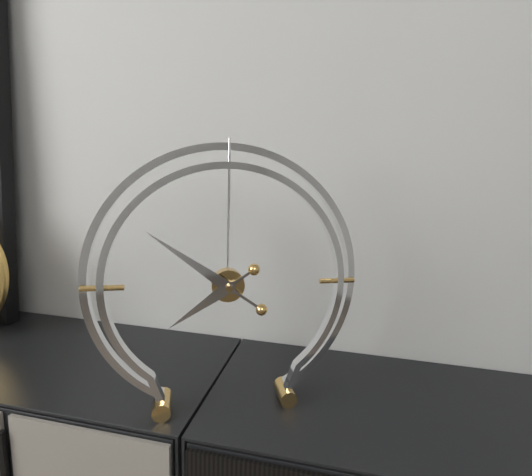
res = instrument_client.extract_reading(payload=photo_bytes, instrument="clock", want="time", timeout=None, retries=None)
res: 7:51
